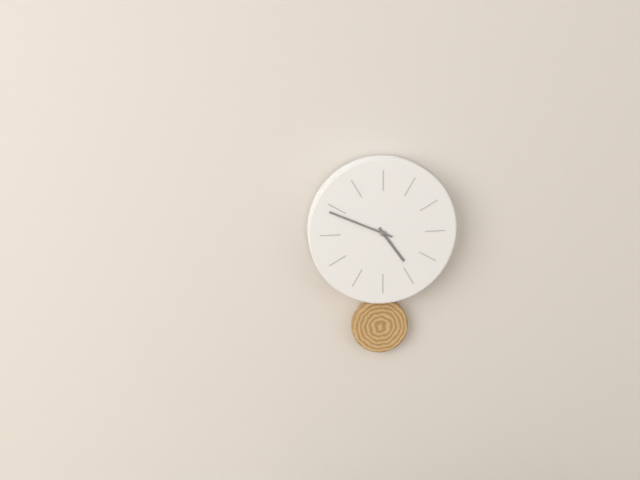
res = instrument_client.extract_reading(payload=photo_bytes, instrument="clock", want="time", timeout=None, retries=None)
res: 4:49
